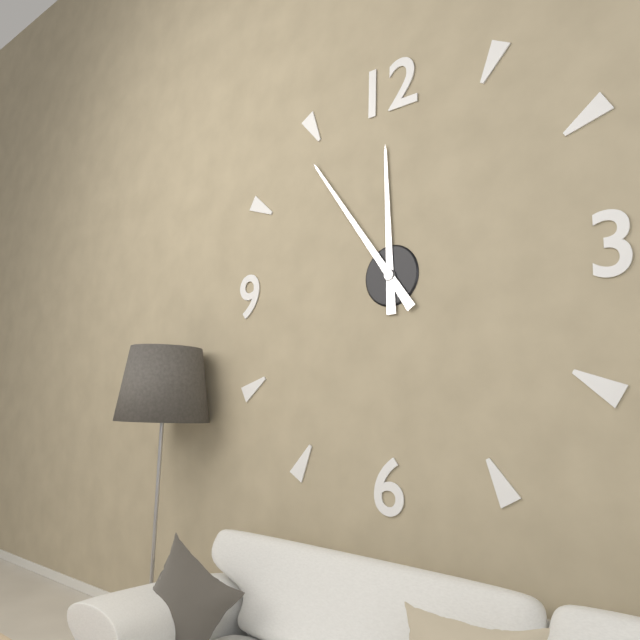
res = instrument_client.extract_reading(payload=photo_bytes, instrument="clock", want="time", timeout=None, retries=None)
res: 11:54
